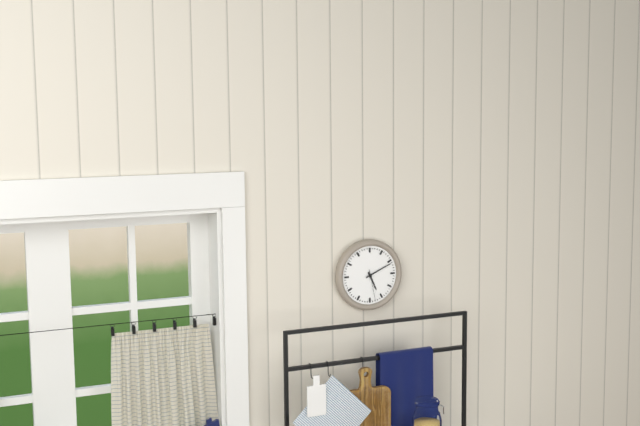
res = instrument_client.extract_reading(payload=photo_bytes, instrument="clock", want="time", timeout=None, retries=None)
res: 5:11
